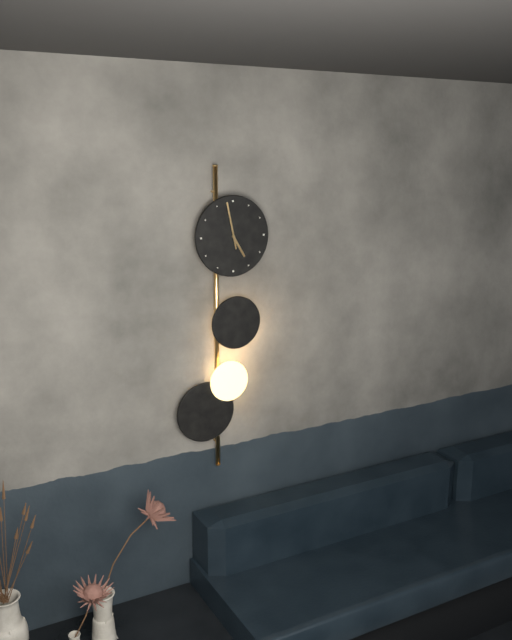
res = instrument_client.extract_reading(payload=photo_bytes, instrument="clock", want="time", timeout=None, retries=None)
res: 4:58
